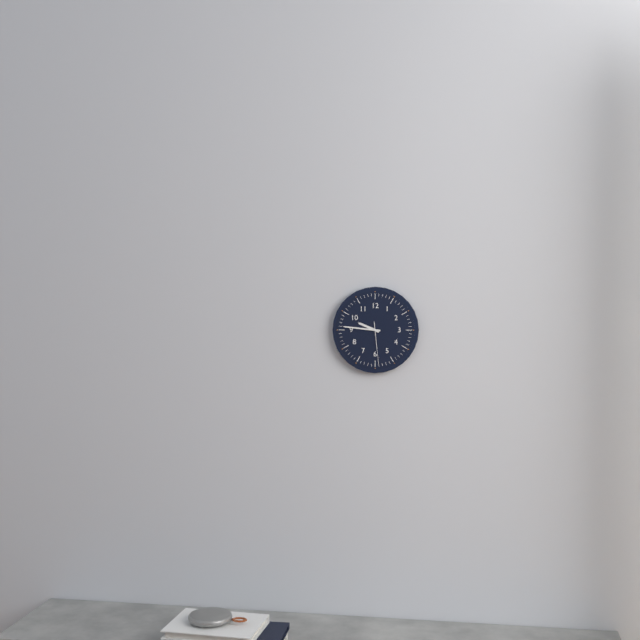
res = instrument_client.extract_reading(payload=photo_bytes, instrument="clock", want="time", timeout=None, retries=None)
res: 9:46
